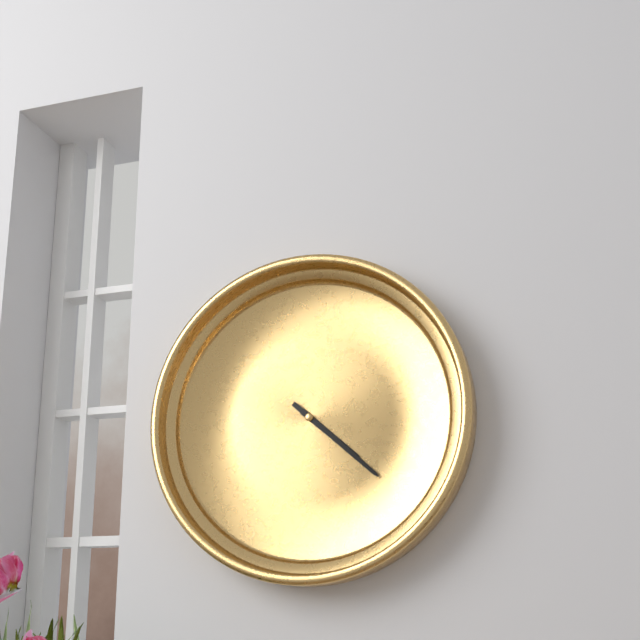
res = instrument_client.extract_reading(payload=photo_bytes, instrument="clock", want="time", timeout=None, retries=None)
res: 4:22
